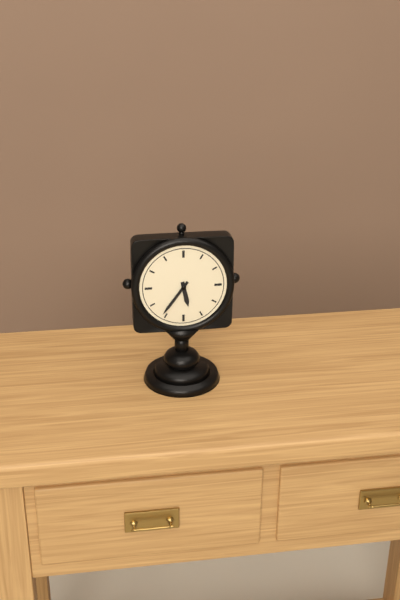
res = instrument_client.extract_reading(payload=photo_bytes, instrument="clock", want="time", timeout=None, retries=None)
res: 5:36
